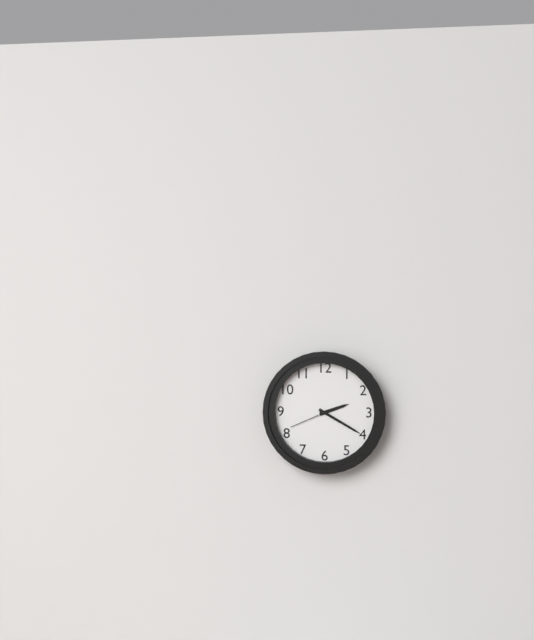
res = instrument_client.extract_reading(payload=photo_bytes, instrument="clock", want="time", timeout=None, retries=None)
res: 2:20
